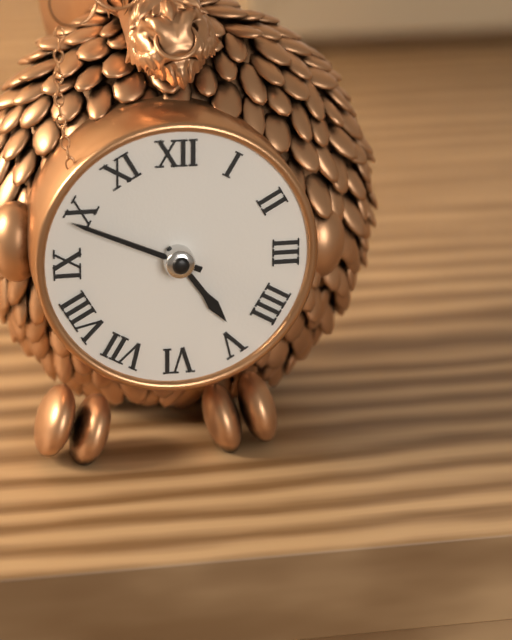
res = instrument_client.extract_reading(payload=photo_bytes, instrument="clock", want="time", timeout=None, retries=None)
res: 4:49
